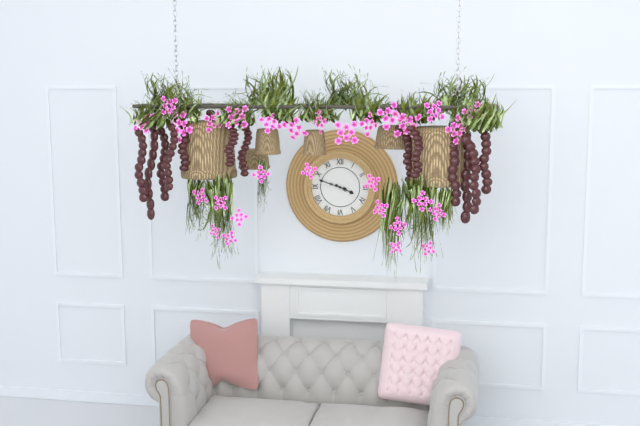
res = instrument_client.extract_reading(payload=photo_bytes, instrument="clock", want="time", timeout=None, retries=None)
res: 3:48
